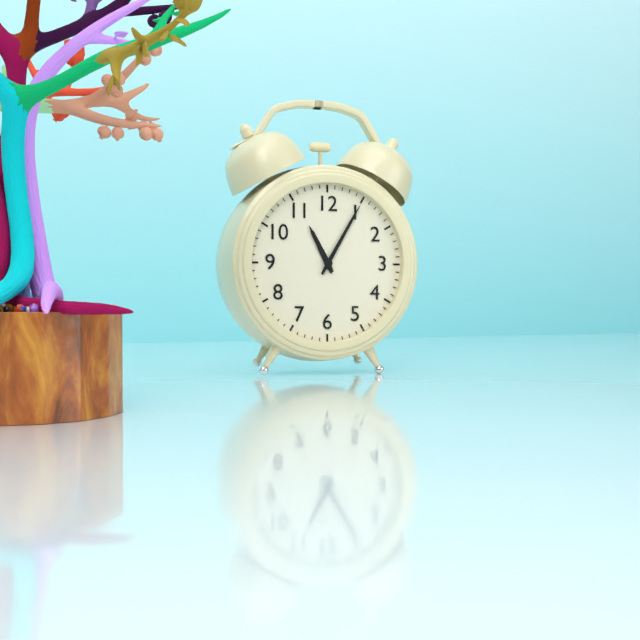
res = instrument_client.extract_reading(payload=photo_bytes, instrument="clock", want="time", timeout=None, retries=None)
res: 11:05
